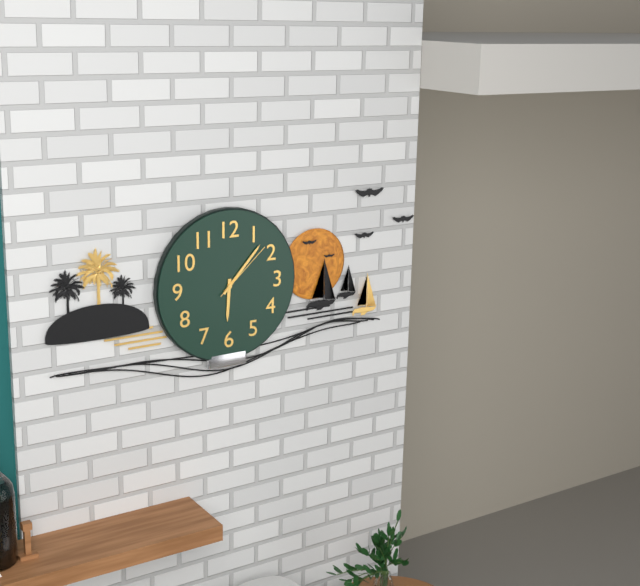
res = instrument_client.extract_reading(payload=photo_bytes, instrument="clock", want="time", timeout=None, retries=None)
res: 6:07:08
